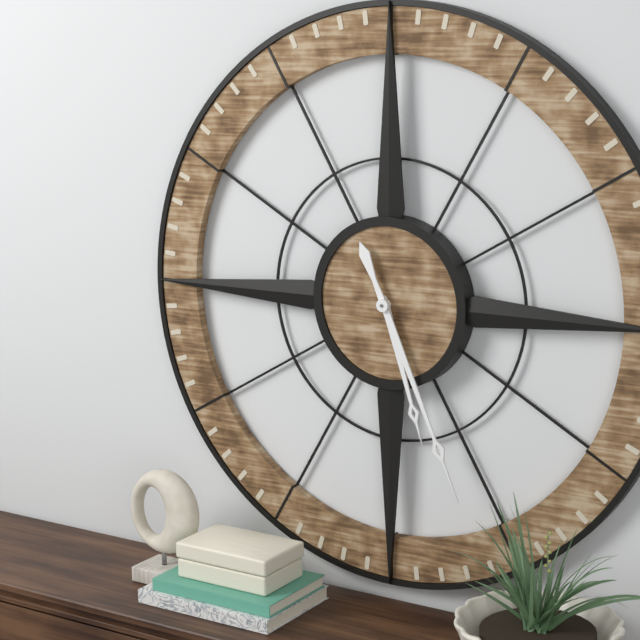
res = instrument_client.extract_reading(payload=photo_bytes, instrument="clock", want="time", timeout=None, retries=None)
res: 5:26
